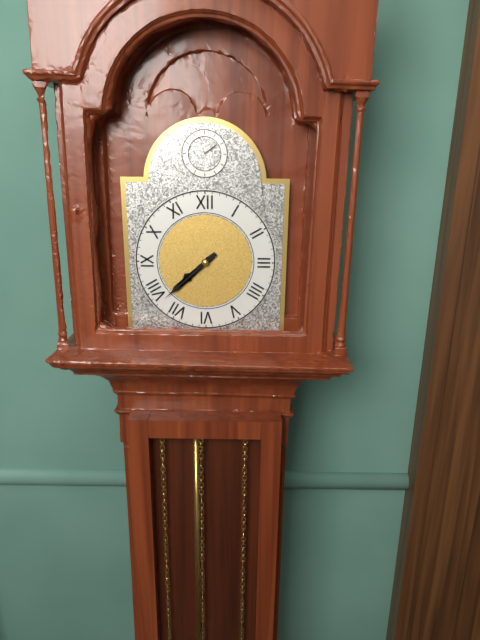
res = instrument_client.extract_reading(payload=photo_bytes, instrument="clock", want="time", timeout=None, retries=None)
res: 7:38
